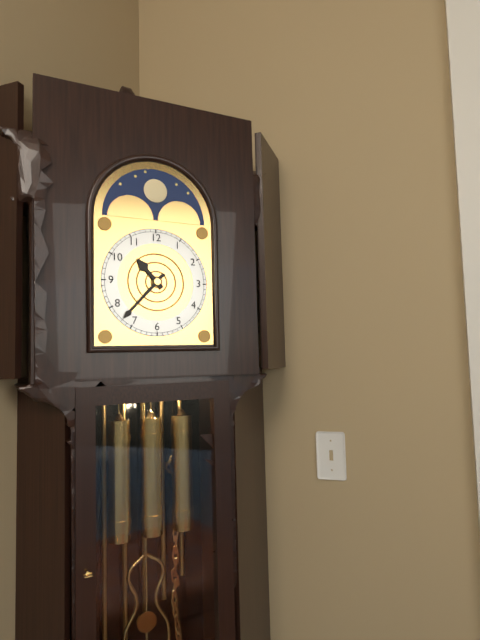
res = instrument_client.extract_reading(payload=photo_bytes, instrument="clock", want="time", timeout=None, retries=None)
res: 10:37
